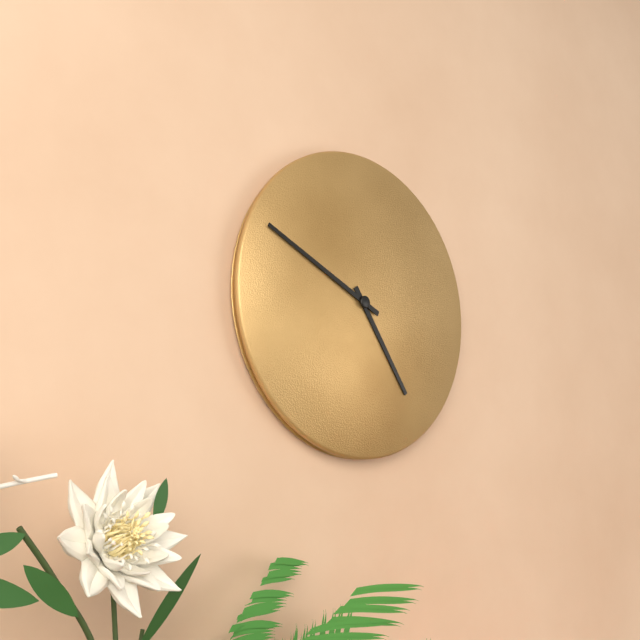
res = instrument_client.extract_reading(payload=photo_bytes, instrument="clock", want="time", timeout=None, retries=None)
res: 4:49
